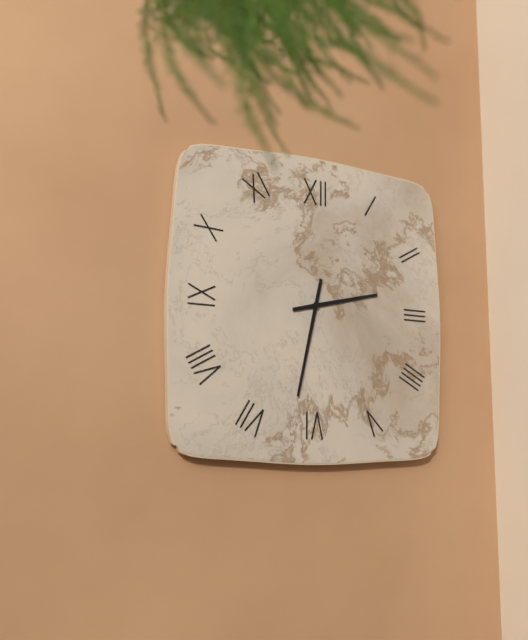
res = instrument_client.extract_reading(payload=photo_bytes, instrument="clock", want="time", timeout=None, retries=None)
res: 2:32
